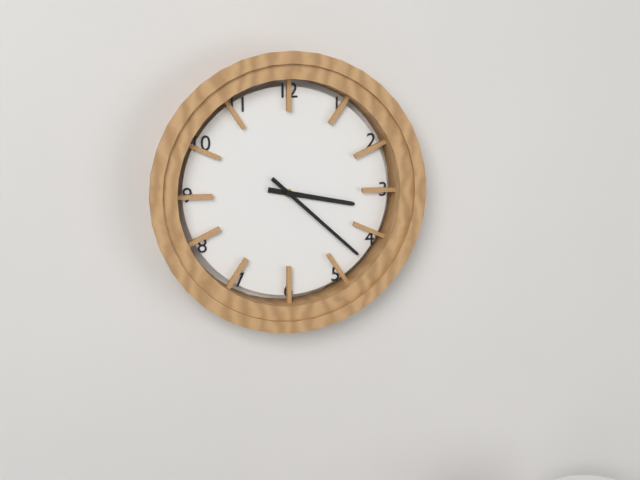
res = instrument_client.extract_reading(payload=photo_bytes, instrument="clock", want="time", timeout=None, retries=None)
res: 3:22
